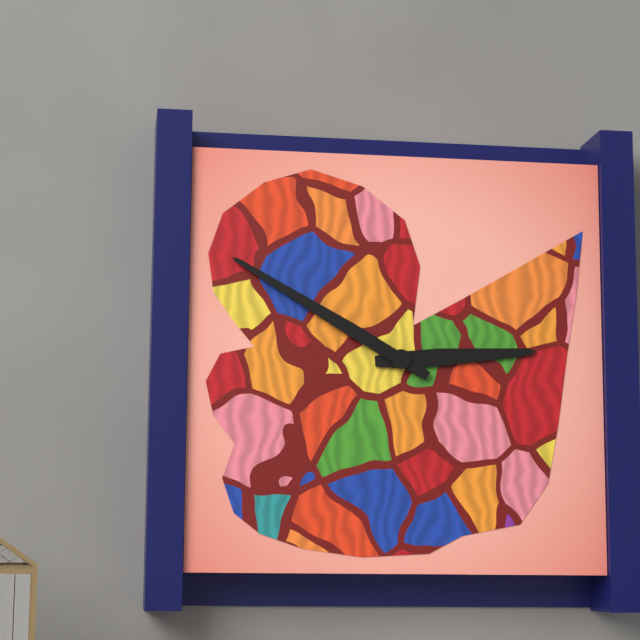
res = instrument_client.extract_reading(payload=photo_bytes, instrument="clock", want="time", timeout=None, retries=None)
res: 2:50
